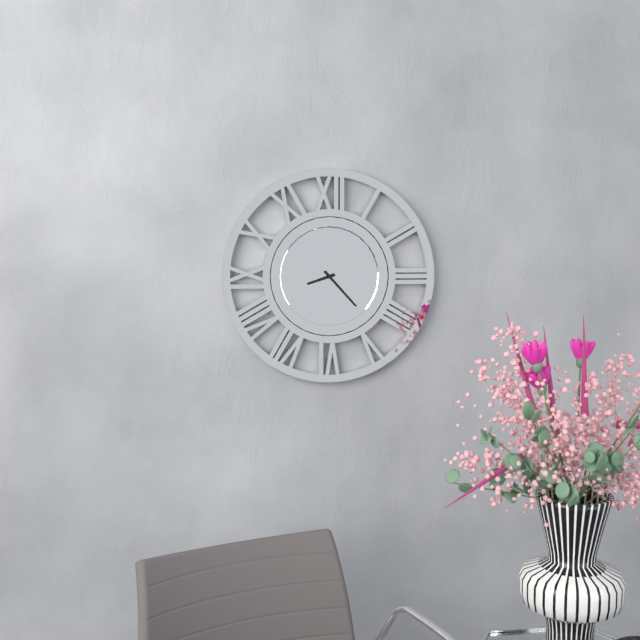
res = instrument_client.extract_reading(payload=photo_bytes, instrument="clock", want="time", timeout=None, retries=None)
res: 8:23
